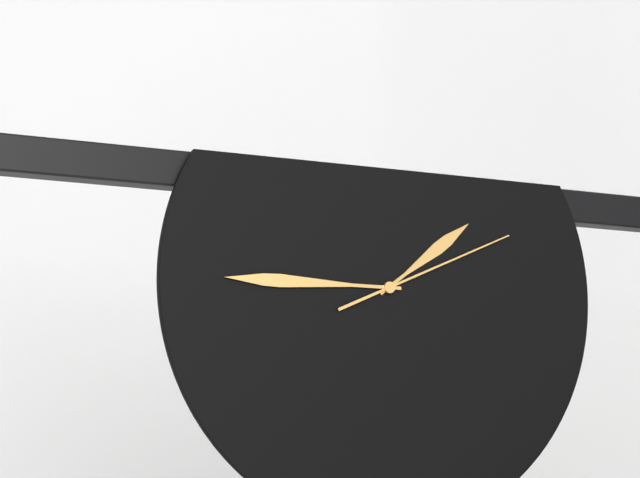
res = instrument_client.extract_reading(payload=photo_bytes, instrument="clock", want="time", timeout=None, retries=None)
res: 1:45:11
